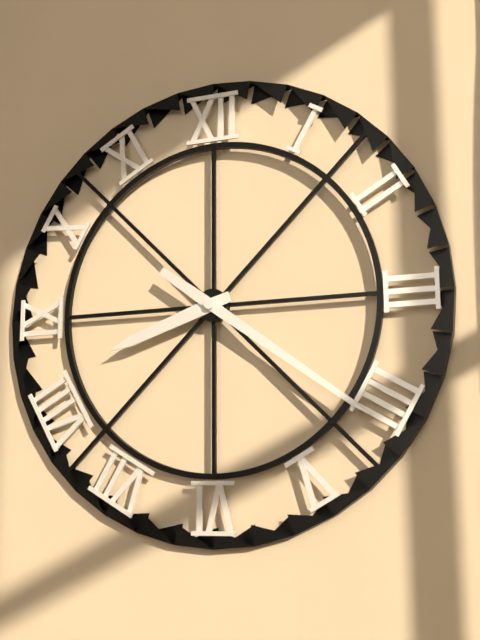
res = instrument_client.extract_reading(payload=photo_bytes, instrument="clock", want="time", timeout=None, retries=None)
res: 8:21
